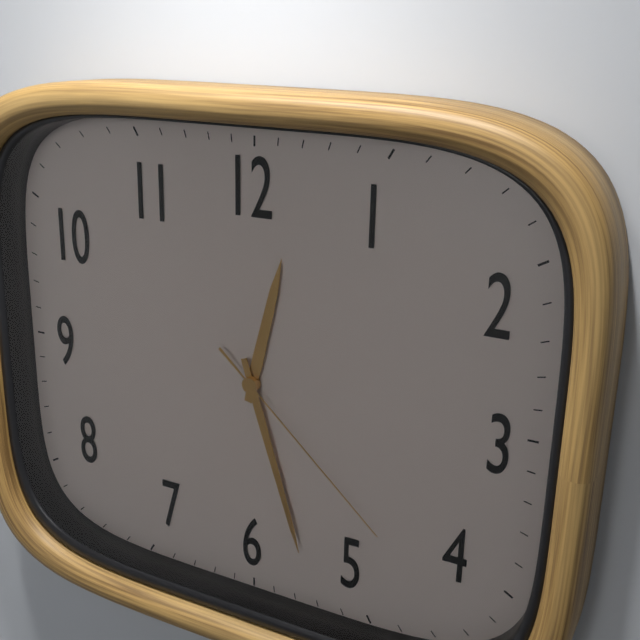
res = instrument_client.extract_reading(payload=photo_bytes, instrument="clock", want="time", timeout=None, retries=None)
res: 12:27:22
